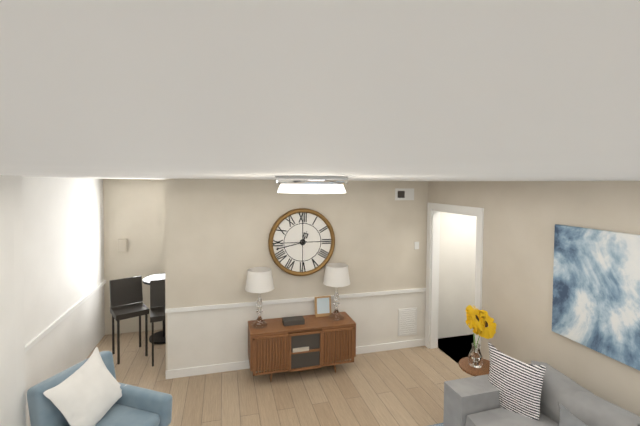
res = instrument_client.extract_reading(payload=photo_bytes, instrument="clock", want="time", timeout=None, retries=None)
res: 12:43
